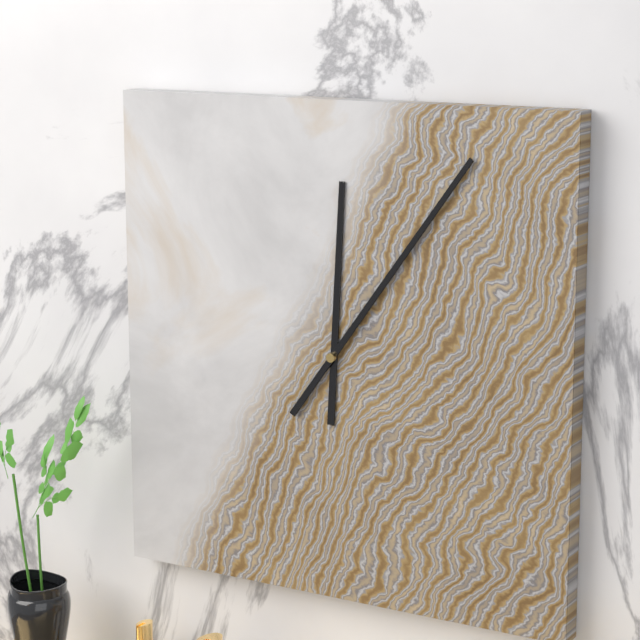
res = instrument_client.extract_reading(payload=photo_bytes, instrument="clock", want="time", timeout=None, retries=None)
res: 12:06
